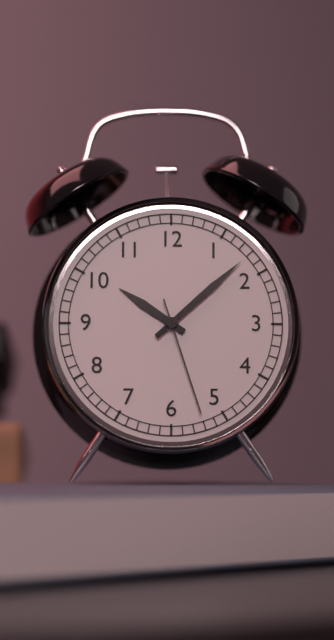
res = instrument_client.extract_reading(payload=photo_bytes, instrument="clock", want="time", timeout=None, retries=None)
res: 10:08:27
